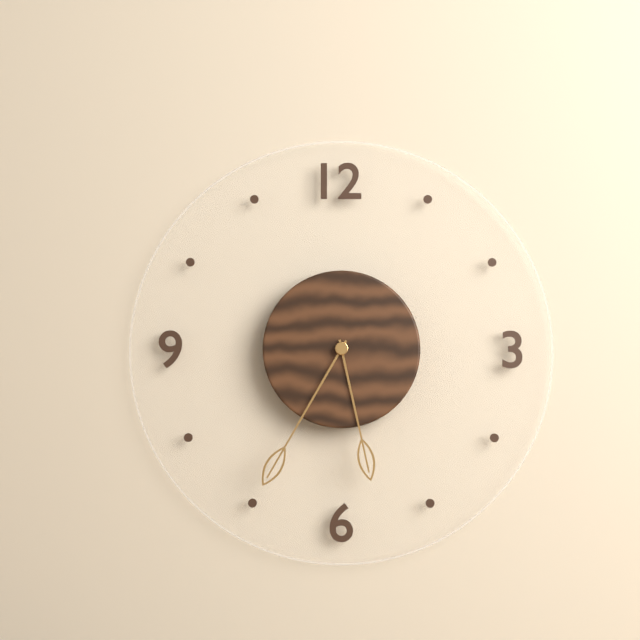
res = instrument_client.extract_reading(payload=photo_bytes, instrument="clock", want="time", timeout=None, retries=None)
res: 5:35
